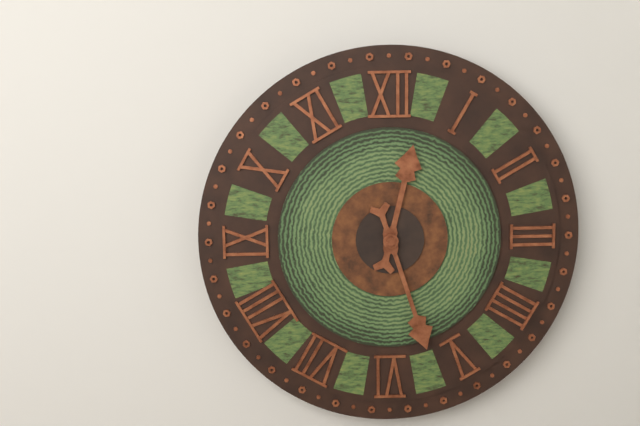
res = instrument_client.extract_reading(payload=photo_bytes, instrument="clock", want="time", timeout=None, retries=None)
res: 12:27
